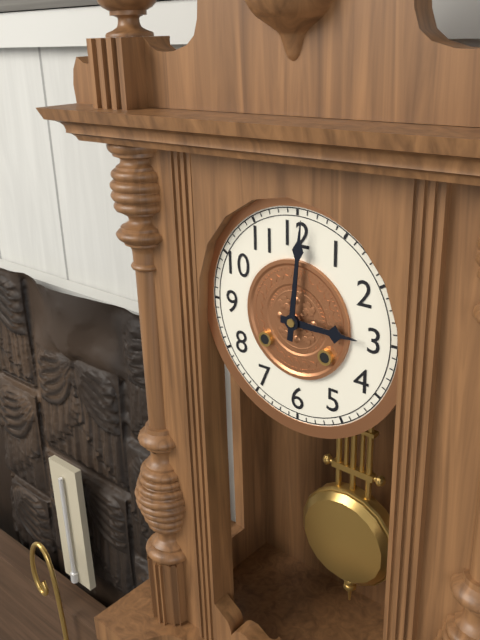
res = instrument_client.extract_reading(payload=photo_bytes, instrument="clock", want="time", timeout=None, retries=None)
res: 3:01
